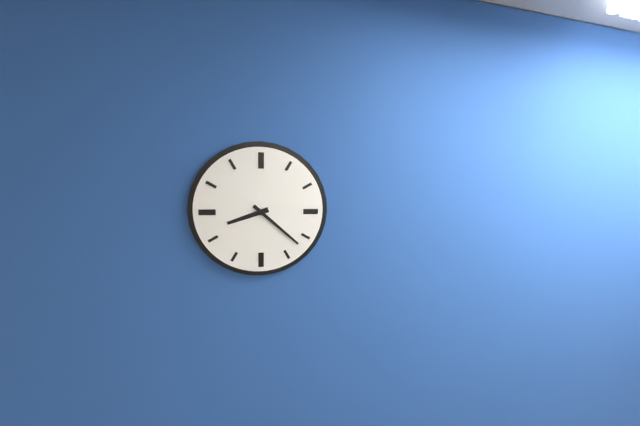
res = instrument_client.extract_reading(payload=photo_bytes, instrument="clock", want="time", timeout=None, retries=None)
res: 8:22
